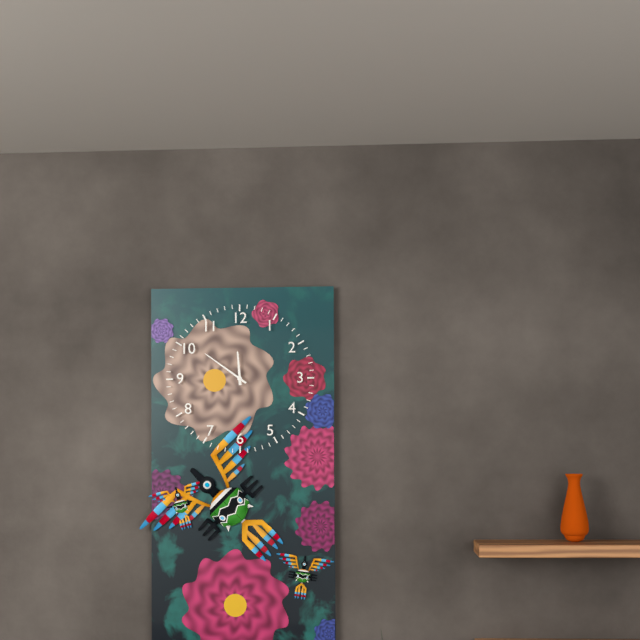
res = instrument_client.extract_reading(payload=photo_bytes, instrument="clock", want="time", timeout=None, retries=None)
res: 11:51
